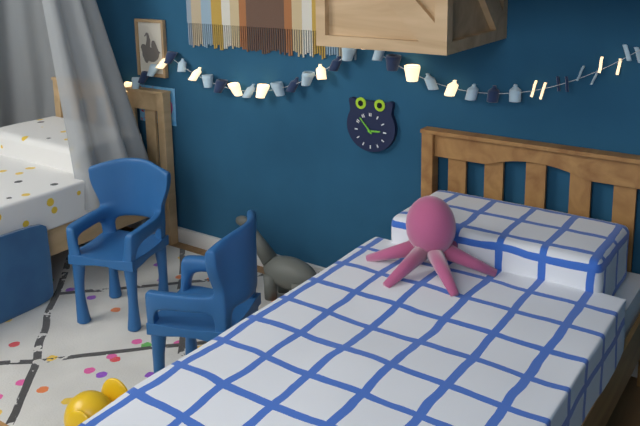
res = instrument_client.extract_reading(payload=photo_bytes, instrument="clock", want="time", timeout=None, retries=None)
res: 2:53
